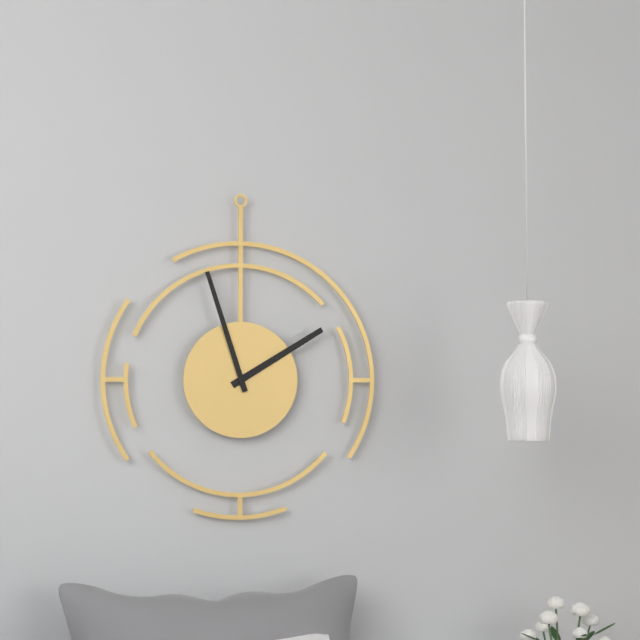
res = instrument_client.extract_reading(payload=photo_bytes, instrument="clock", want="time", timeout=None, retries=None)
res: 1:57
